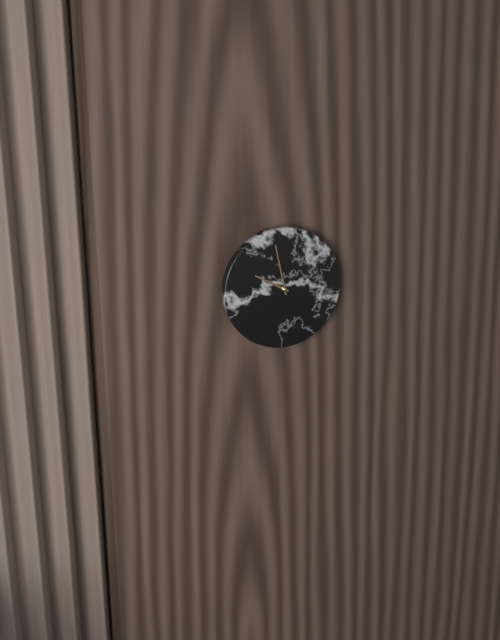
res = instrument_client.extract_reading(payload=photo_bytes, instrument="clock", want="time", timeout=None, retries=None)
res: 9:58
